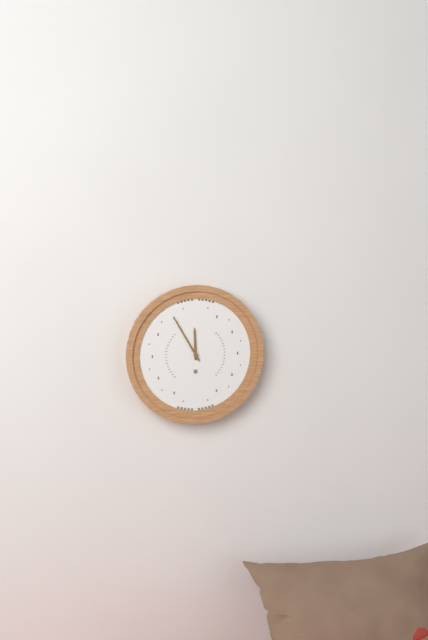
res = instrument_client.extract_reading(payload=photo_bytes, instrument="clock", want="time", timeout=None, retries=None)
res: 11:55
